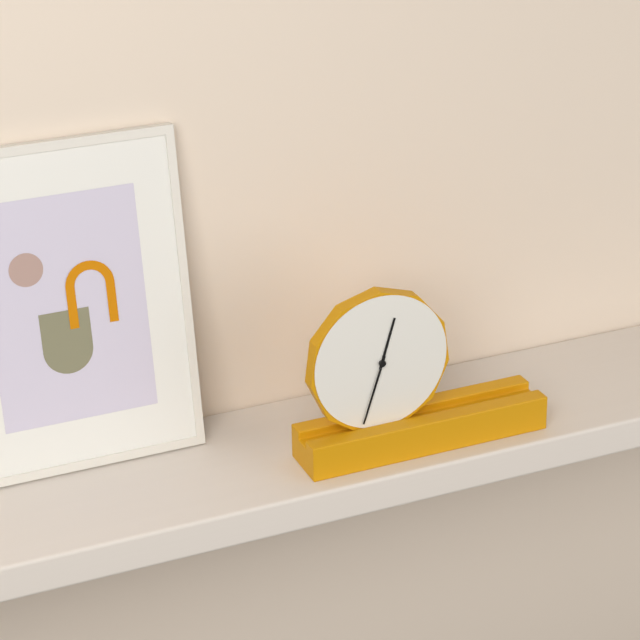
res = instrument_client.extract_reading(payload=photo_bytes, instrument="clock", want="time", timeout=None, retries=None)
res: 12:33
